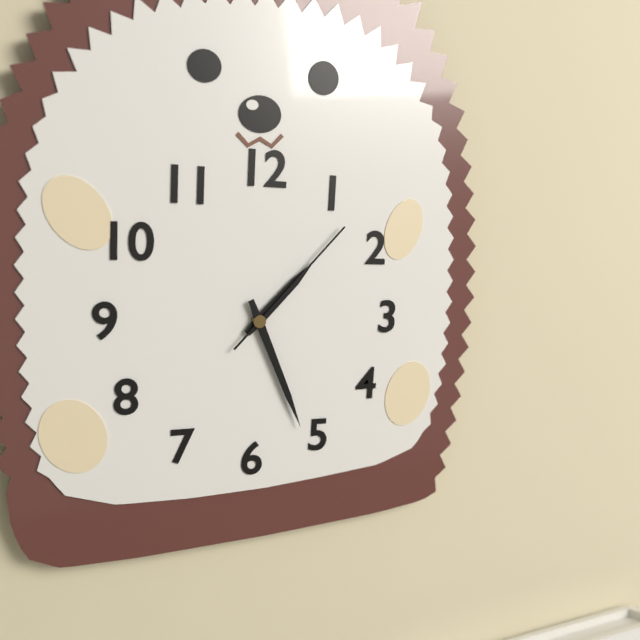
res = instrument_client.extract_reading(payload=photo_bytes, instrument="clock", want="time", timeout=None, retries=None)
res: 1:26:07
